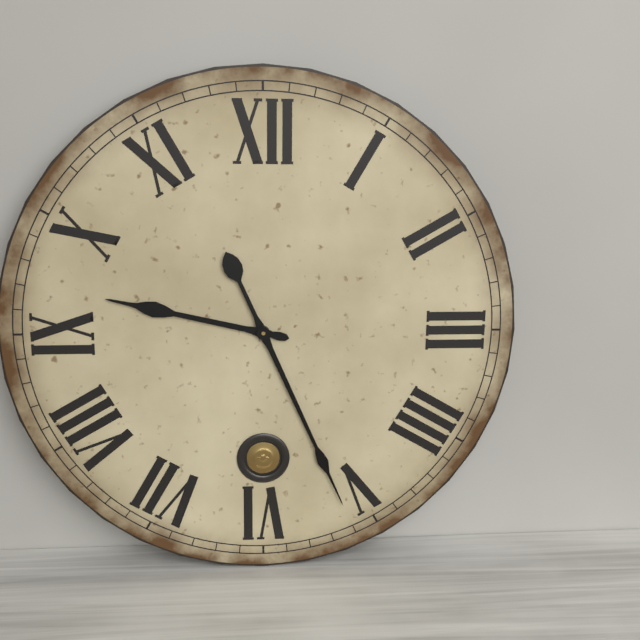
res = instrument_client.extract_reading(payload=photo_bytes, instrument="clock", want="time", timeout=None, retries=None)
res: 9:26
